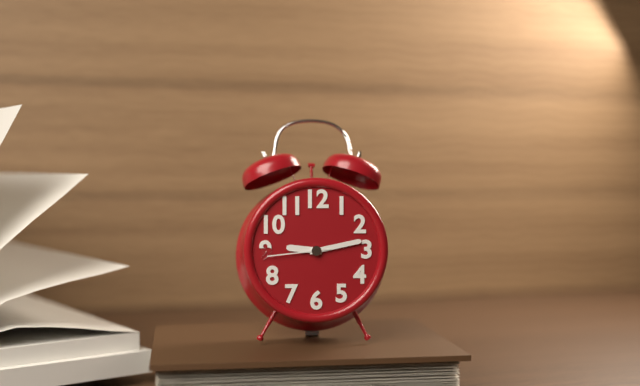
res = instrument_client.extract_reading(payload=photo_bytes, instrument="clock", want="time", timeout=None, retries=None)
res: 9:13:44
